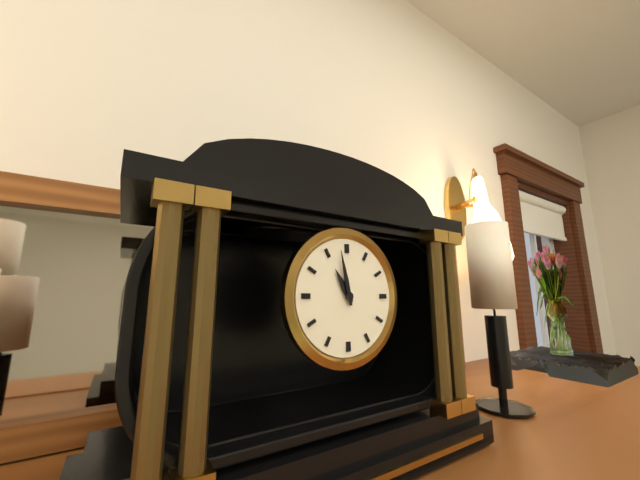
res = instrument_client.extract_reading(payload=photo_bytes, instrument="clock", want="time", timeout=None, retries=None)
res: 10:58
